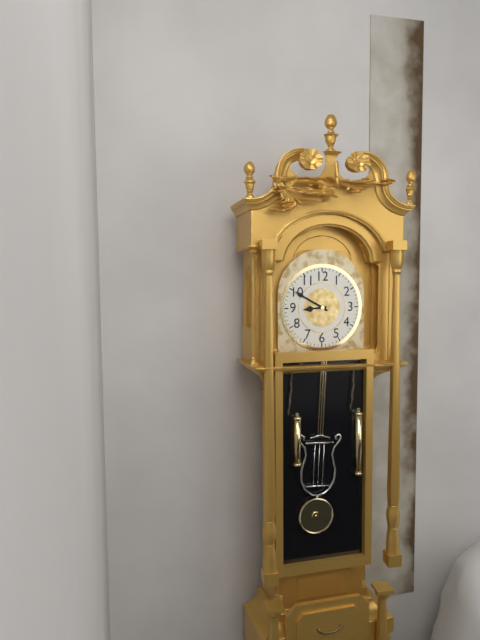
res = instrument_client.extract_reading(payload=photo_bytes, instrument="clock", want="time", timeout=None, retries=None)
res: 8:50
